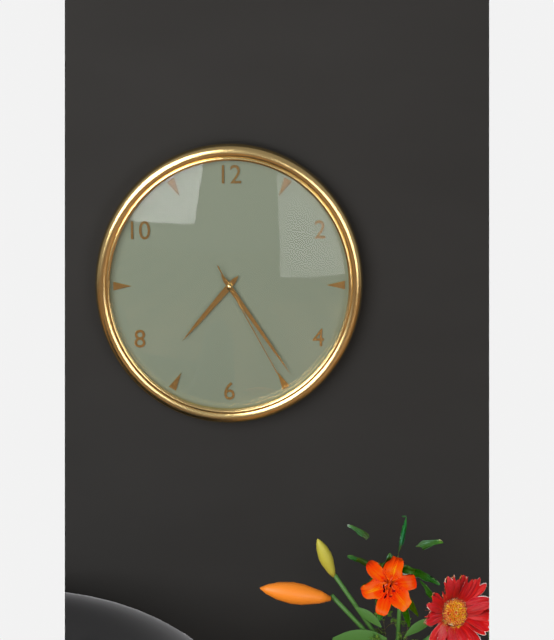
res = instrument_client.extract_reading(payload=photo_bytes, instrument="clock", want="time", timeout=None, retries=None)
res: 7:24:25
